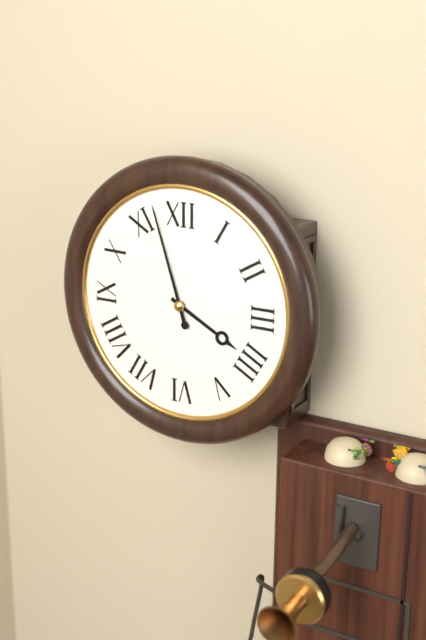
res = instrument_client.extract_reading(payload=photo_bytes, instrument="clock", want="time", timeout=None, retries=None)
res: 3:57
